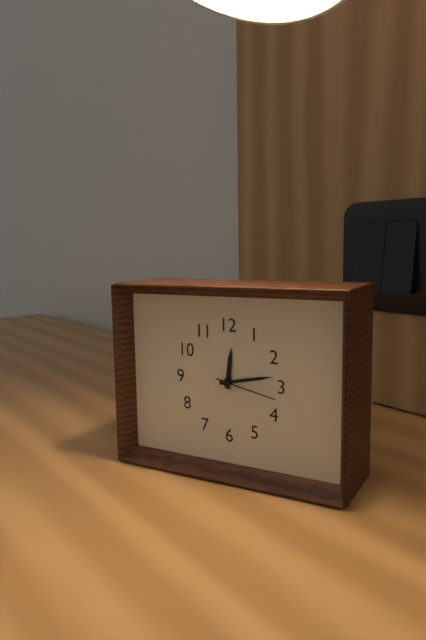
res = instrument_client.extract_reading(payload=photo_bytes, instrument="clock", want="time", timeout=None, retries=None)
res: 12:13
